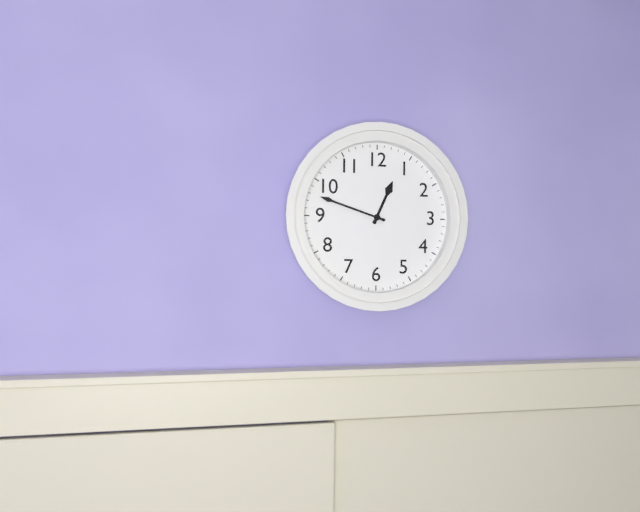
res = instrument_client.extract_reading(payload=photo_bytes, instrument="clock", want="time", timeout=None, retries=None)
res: 12:48
